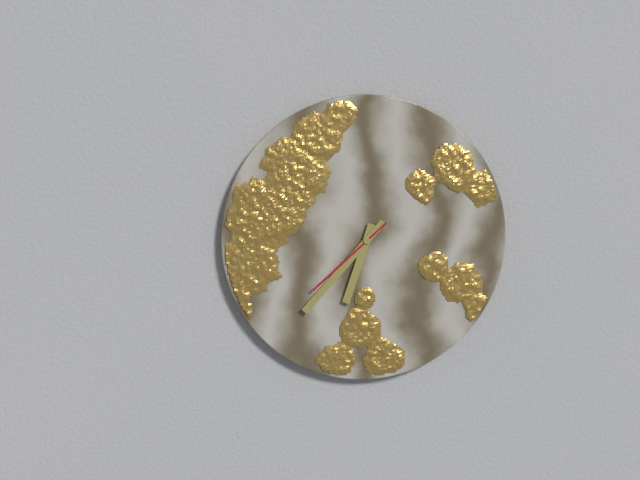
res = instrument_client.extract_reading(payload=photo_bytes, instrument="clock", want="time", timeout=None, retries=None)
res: 6:37:38
